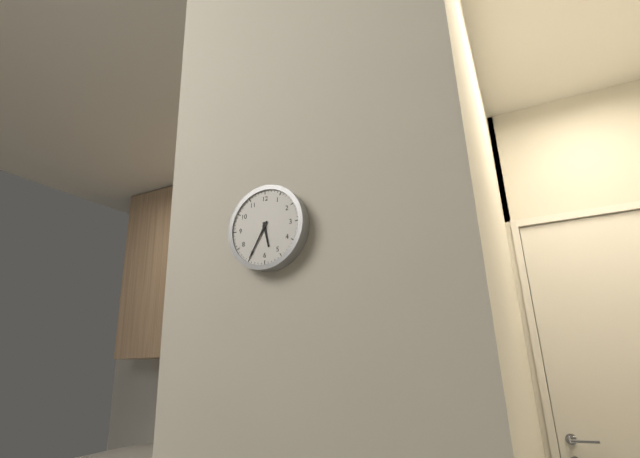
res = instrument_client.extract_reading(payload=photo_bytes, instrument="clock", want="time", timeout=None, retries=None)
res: 5:35
